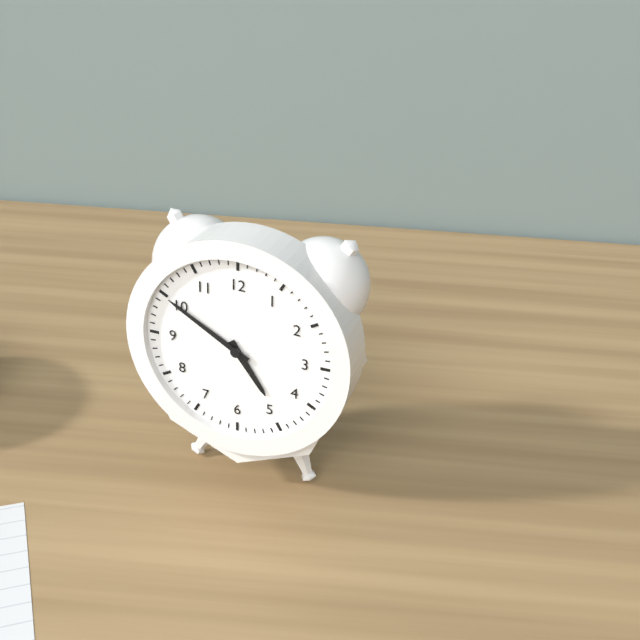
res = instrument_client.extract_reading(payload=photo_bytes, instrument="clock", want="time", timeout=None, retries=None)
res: 4:50
